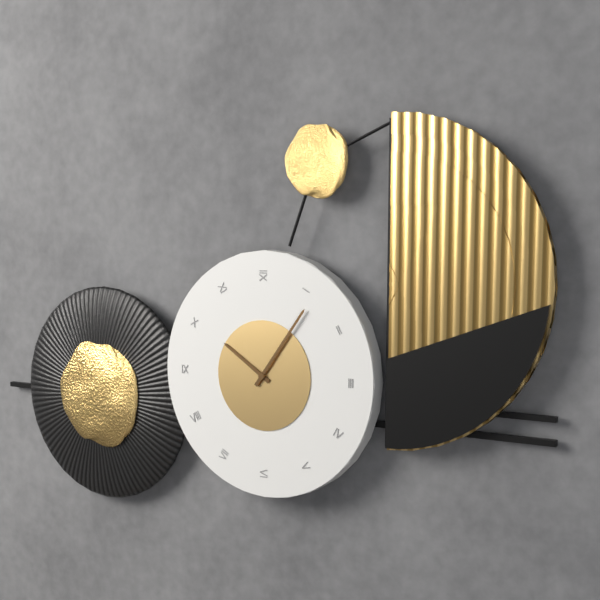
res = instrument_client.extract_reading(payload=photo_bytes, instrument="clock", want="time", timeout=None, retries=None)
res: 10:06
